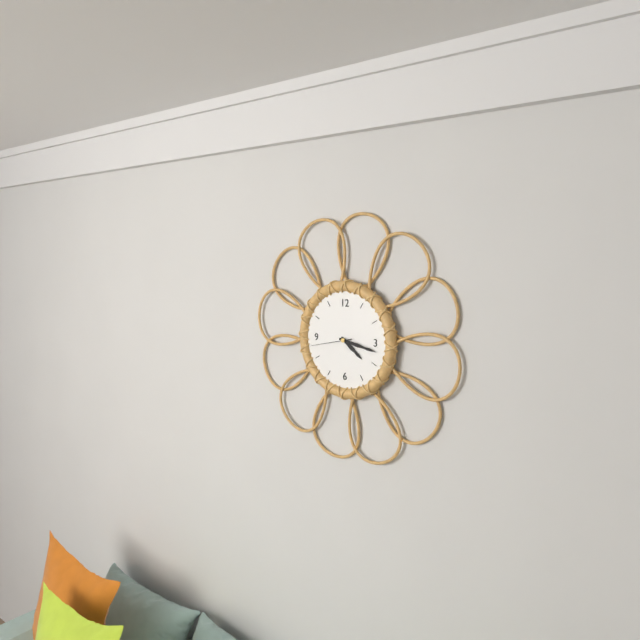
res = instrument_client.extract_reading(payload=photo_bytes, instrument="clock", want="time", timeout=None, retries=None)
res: 4:17
